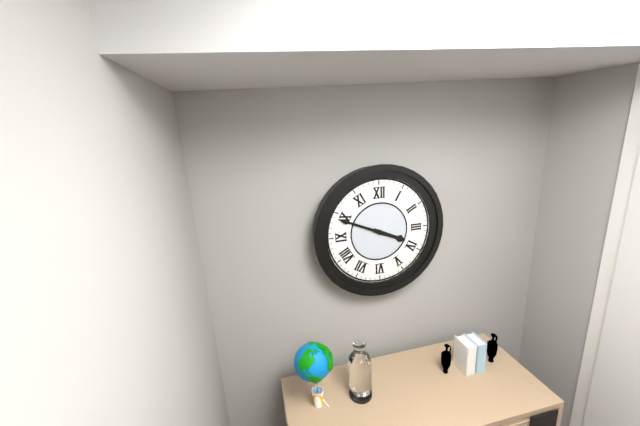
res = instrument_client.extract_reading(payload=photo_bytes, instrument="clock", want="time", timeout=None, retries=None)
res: 3:49
